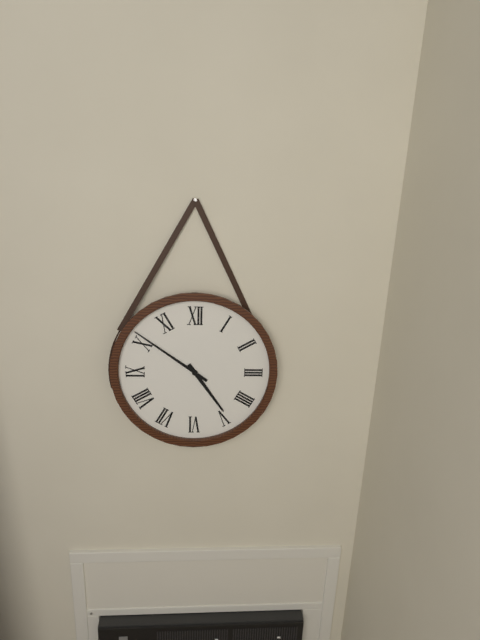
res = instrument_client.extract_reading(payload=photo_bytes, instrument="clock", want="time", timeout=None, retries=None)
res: 4:51
